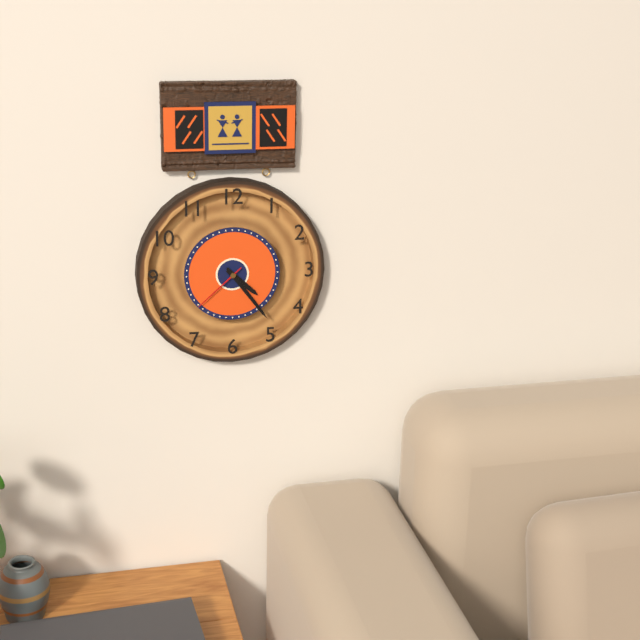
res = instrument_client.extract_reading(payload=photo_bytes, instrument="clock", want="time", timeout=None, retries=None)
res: 4:24:38
